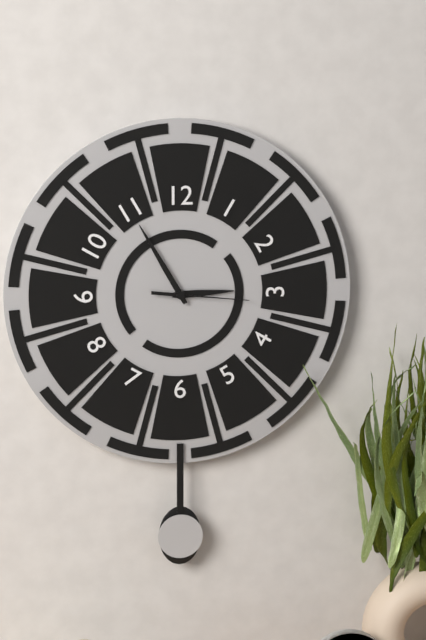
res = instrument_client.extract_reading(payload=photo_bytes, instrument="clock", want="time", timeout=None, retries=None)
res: 2:55:16
